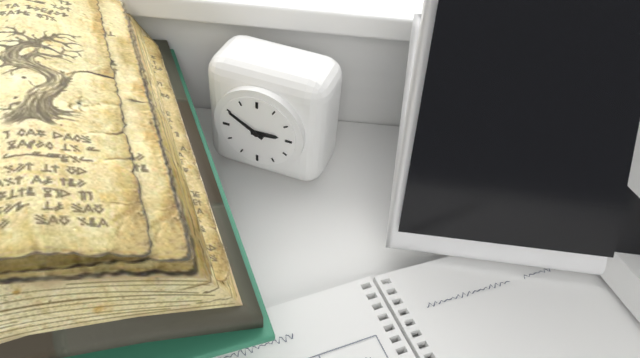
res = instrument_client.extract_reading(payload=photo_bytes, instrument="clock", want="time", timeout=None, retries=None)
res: 2:50
